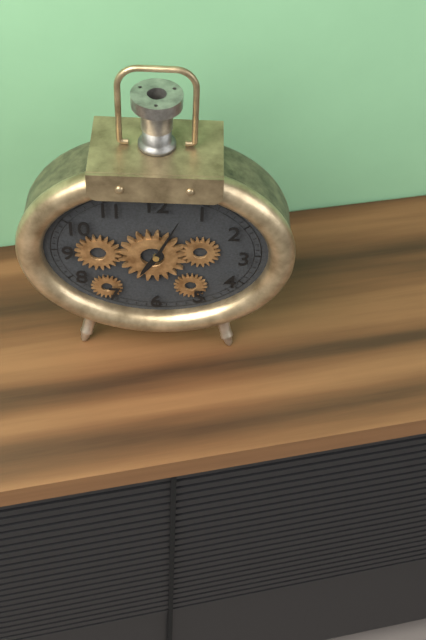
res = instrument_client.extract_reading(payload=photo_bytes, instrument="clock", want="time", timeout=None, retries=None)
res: 7:04
